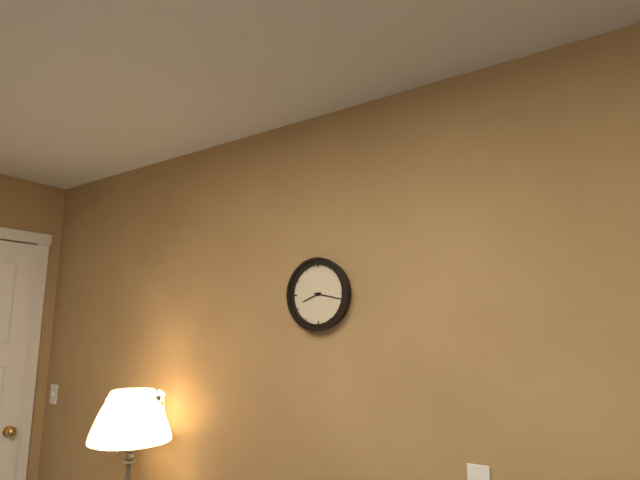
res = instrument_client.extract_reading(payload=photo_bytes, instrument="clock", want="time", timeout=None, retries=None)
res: 8:17
